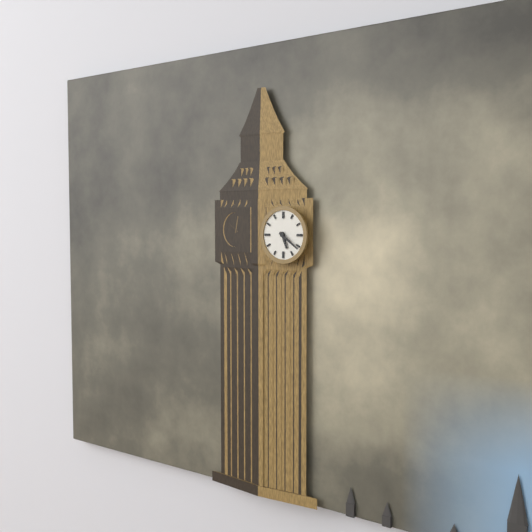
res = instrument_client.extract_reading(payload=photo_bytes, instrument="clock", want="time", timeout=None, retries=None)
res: 5:21
